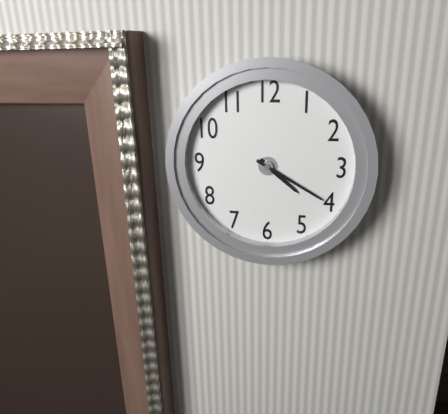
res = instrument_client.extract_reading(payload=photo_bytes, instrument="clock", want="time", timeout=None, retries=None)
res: 4:20
